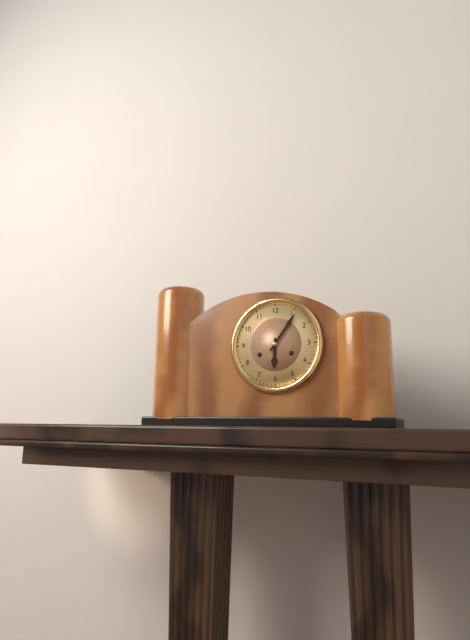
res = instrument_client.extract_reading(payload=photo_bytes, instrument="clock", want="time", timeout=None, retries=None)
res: 6:06
